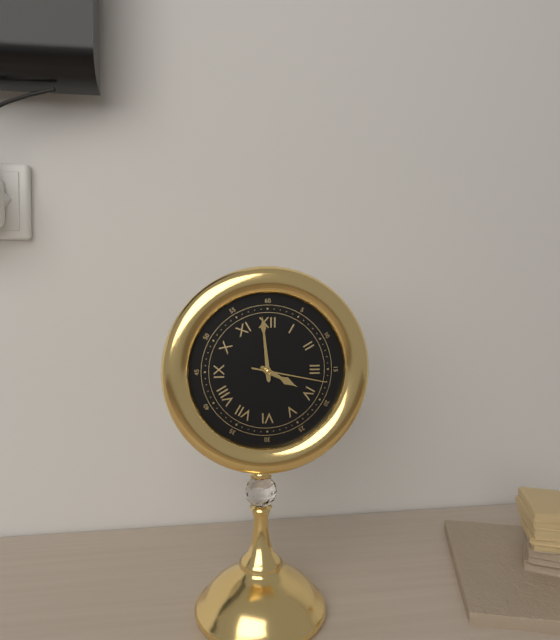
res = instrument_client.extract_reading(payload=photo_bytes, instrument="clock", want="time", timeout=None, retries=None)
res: 3:59:17
